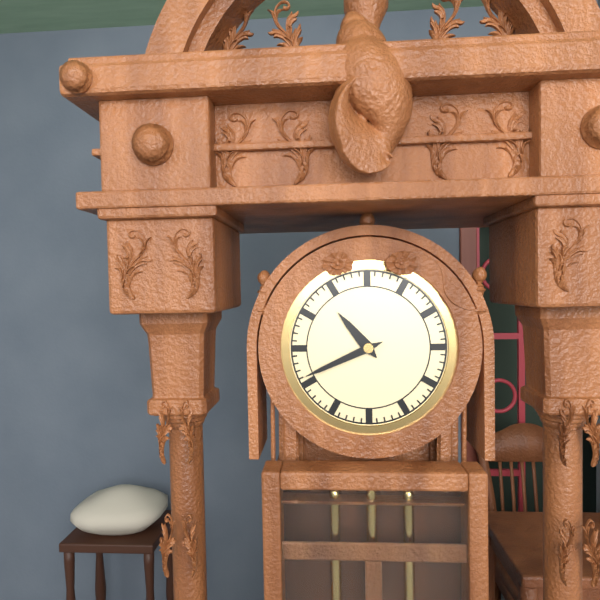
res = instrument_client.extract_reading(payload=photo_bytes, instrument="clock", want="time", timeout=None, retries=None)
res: 10:41
